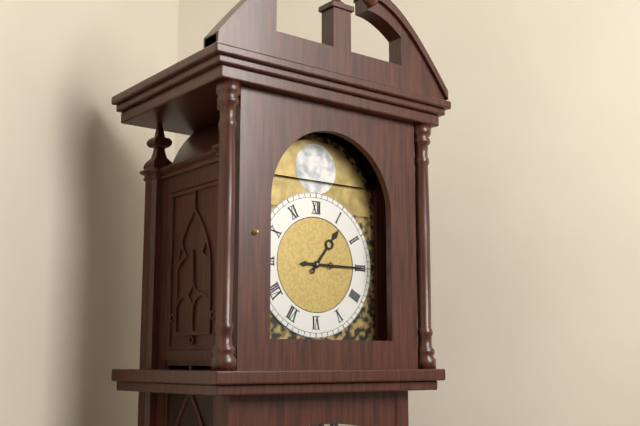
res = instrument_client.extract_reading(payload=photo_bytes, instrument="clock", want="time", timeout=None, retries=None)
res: 1:15
